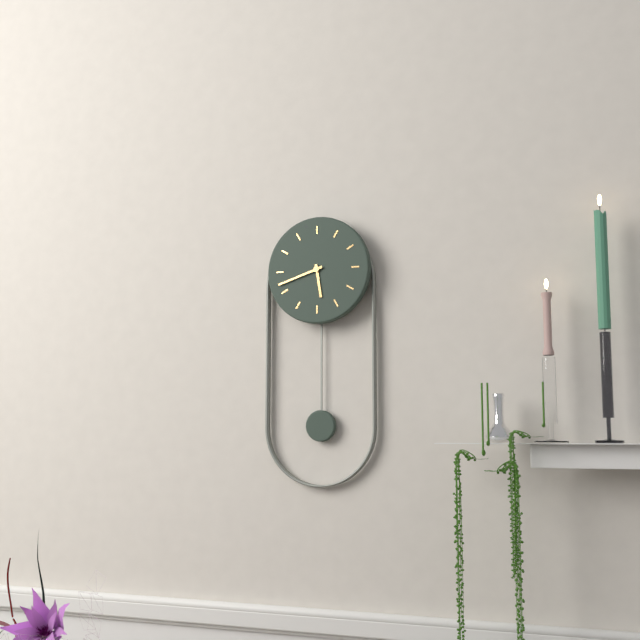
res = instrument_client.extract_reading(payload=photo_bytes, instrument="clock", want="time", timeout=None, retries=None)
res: 5:42
